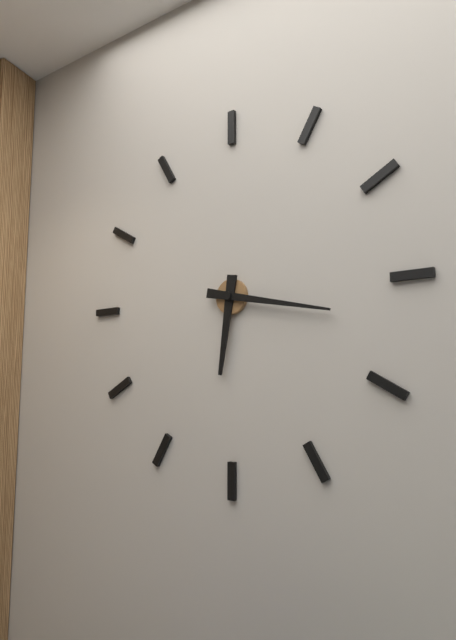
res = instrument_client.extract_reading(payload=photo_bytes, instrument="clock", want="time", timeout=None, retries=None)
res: 6:17
